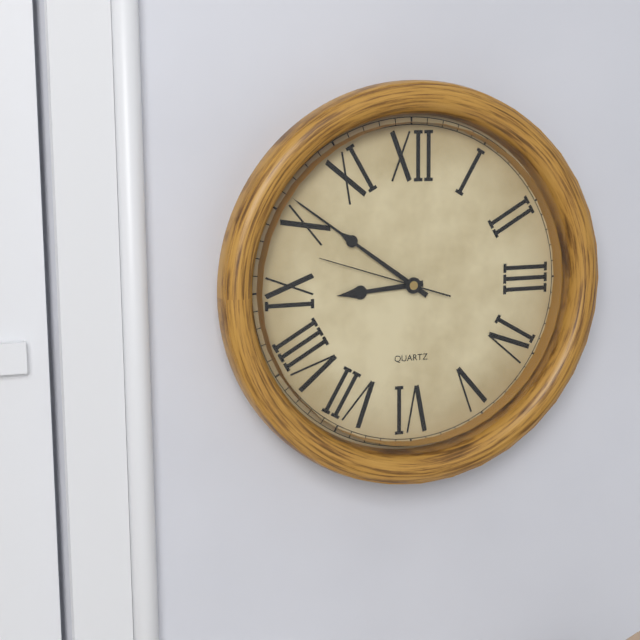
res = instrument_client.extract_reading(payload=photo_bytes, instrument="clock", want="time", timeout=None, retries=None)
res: 8:51:48
